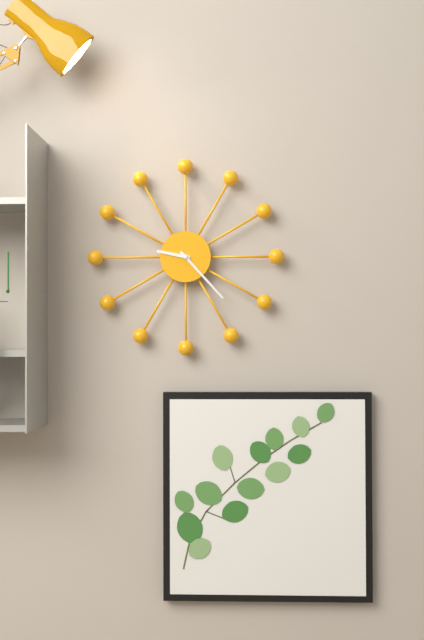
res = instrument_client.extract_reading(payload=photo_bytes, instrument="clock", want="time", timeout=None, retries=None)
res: 9:23
